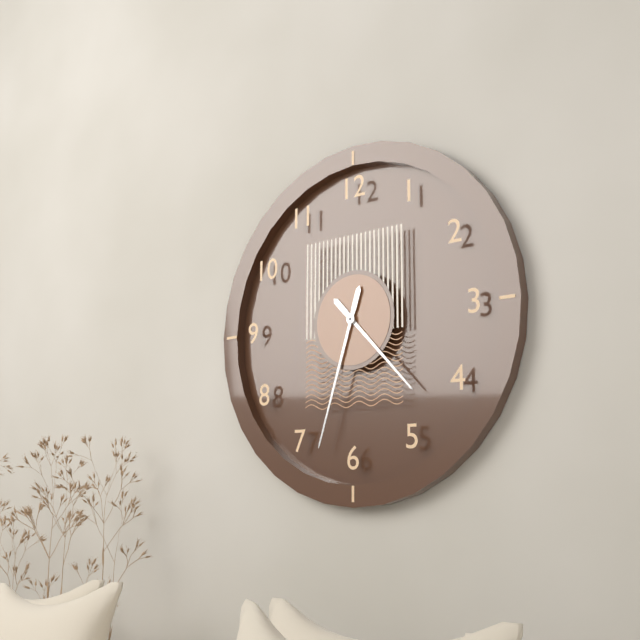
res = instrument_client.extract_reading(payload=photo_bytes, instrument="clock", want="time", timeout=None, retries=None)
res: 4:33
